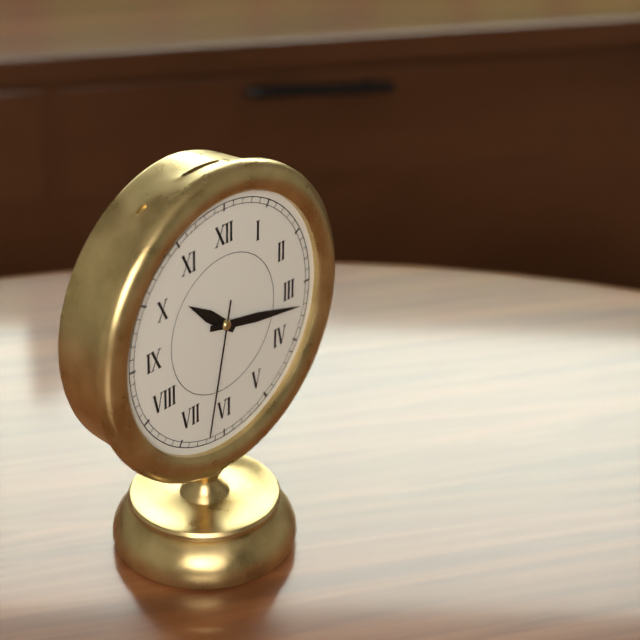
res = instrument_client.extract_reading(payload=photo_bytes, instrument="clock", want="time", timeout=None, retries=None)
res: 10:17:32
